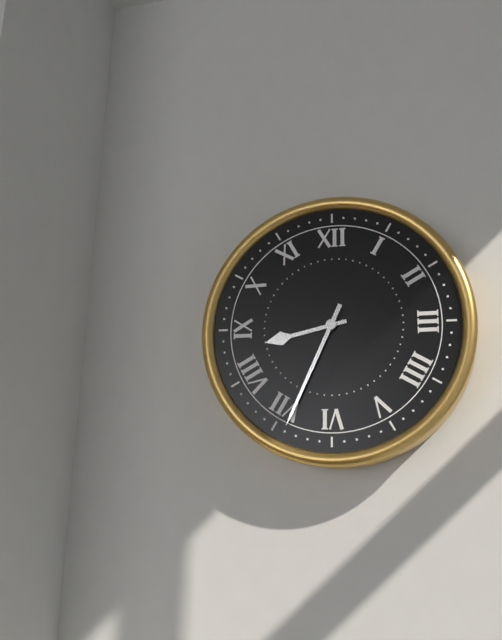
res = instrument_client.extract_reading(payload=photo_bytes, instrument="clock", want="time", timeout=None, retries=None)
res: 8:34
